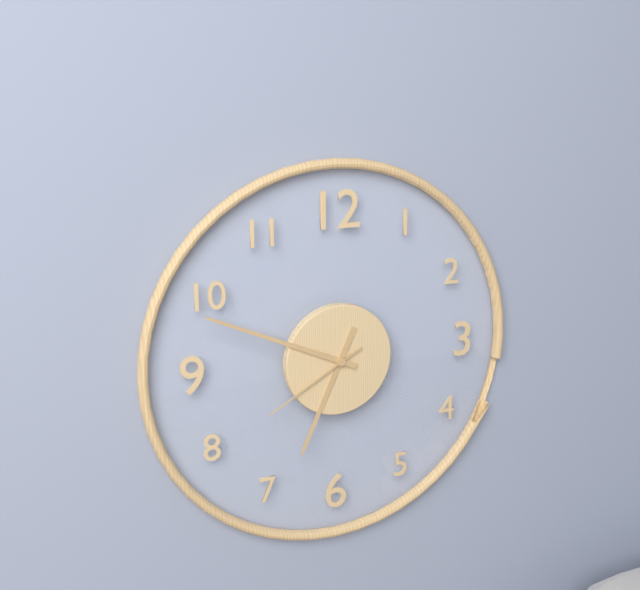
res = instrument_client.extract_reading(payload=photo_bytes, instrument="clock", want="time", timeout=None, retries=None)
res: 6:49:40
